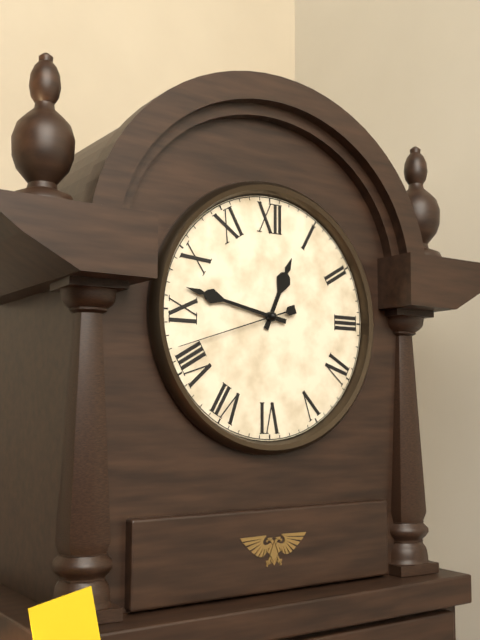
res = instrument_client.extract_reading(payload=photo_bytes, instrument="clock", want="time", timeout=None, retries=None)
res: 12:47:42
